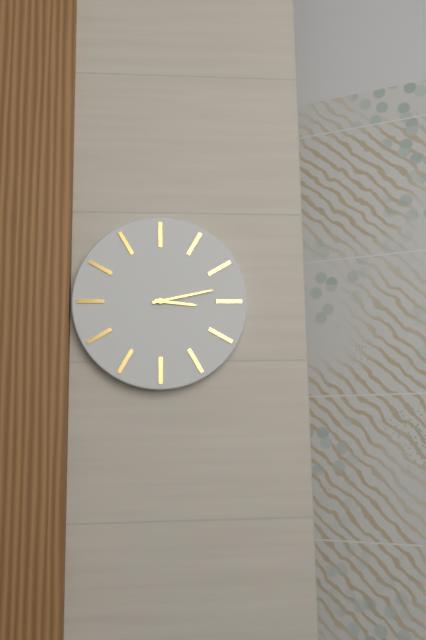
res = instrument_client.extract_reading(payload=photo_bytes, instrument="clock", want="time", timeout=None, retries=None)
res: 3:13
